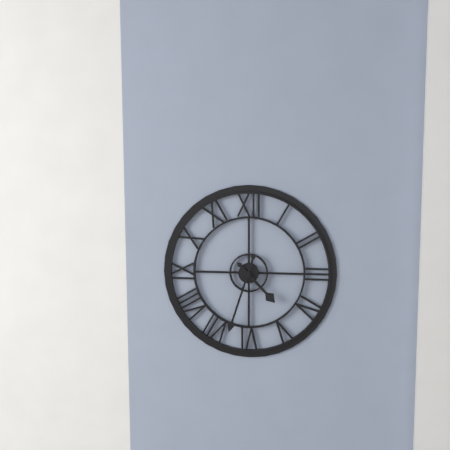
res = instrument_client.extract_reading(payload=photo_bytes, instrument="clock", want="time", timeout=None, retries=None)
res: 4:33
